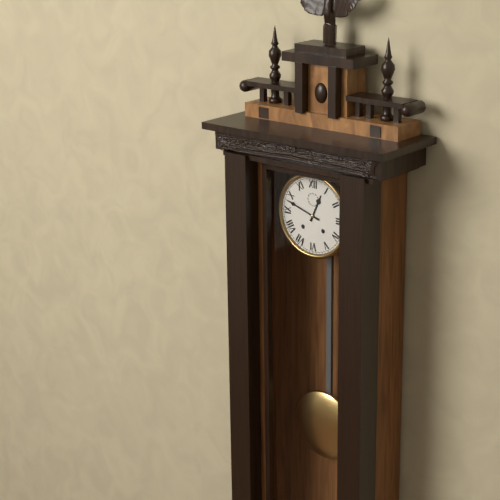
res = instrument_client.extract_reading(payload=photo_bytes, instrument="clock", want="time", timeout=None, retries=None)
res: 12:48
